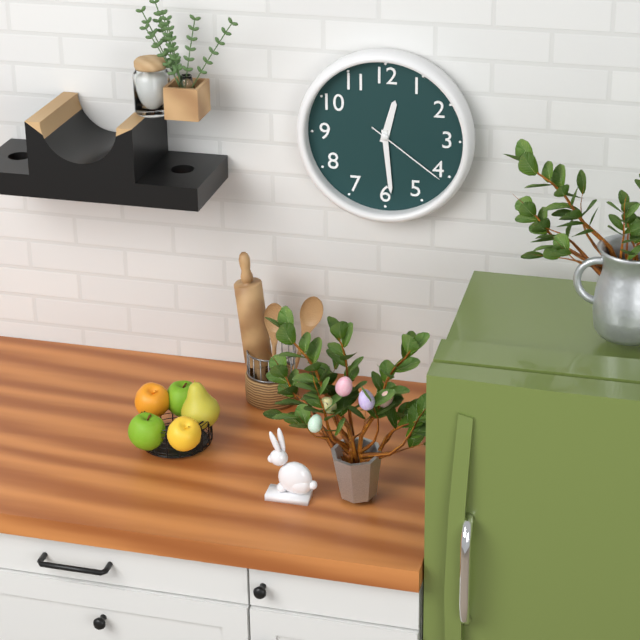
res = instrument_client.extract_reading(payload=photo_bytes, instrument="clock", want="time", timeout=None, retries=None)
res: 12:29:21
